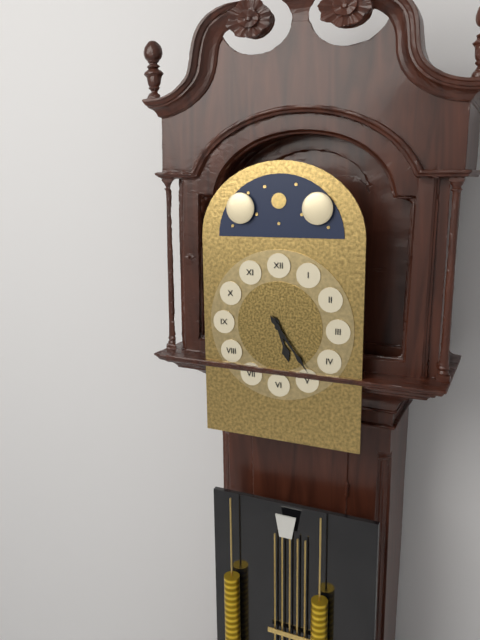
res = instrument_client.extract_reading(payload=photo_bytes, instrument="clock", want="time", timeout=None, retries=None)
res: 5:24
